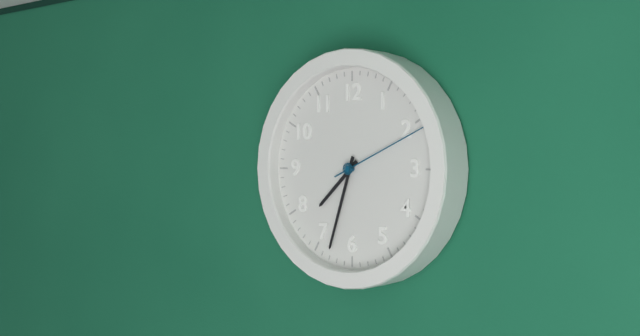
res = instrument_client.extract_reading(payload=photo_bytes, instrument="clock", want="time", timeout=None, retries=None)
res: 7:33:11
